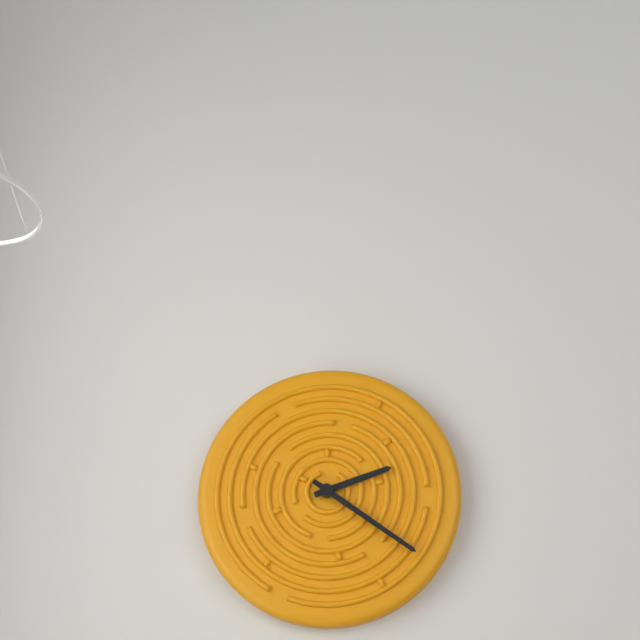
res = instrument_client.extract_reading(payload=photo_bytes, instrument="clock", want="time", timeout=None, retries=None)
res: 2:21
